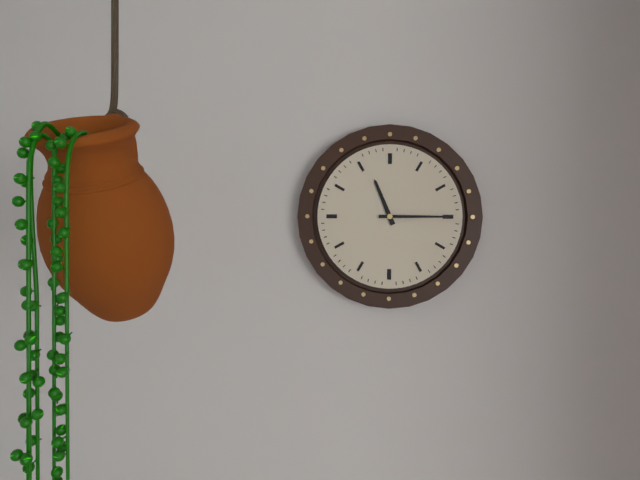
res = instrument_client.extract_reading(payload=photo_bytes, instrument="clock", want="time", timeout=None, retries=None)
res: 11:15
